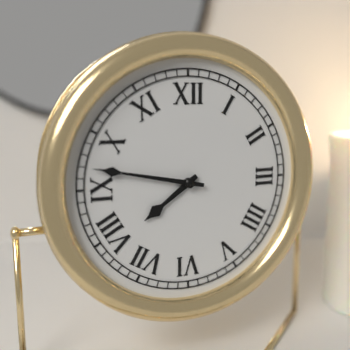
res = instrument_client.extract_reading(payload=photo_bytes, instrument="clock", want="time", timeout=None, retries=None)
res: 7:47
